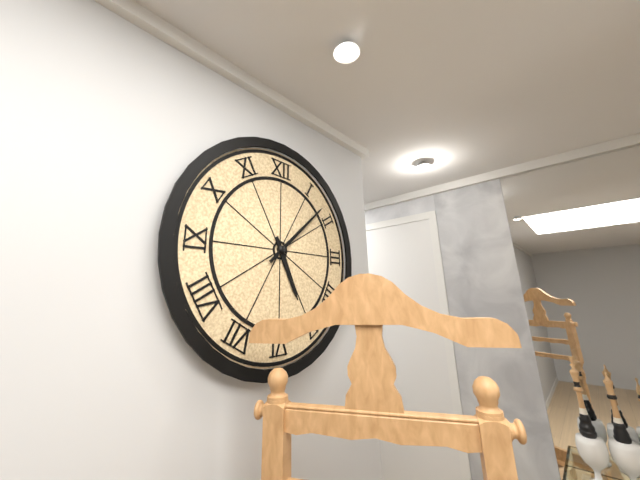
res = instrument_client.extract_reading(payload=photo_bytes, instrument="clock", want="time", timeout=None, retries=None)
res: 5:08
